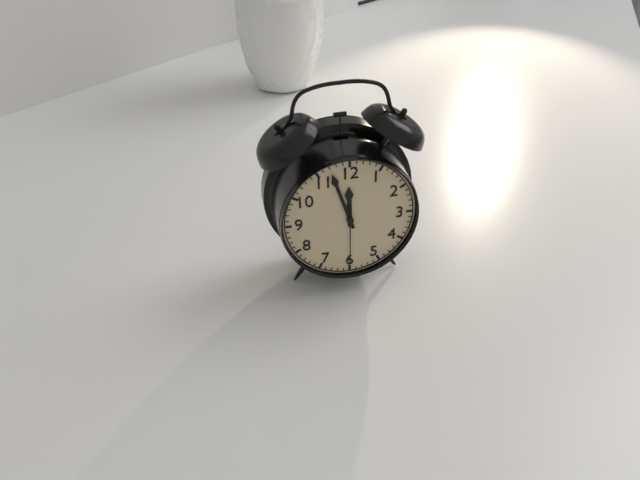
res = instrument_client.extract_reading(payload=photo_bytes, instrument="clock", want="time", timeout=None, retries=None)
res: 11:57:30
